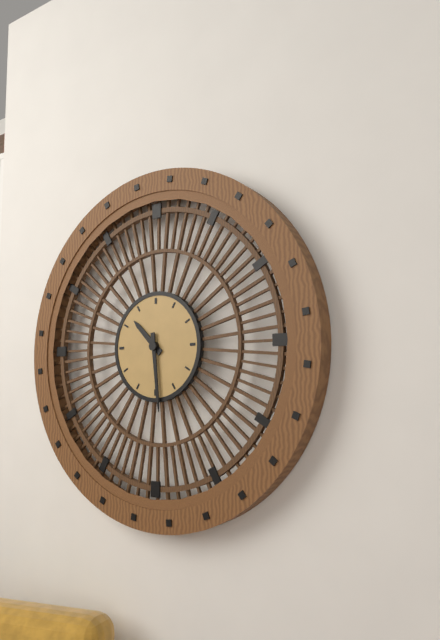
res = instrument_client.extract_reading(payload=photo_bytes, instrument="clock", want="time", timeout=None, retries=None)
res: 10:29
